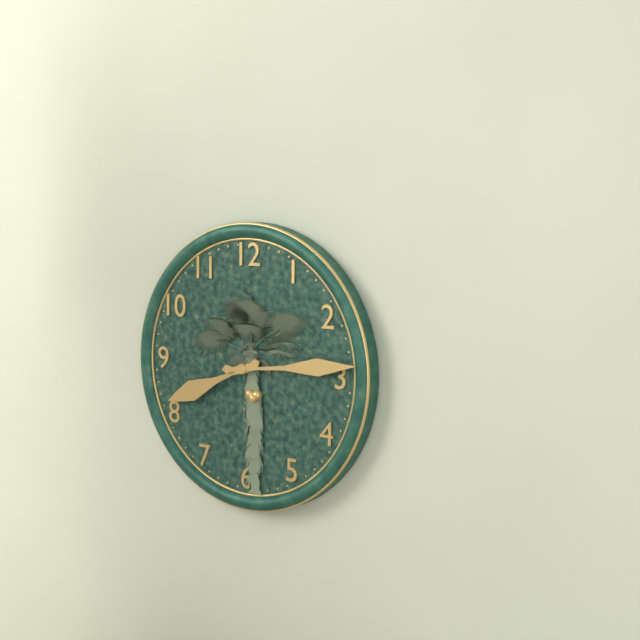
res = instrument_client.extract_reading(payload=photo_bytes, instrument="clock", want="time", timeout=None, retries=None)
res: 8:14
